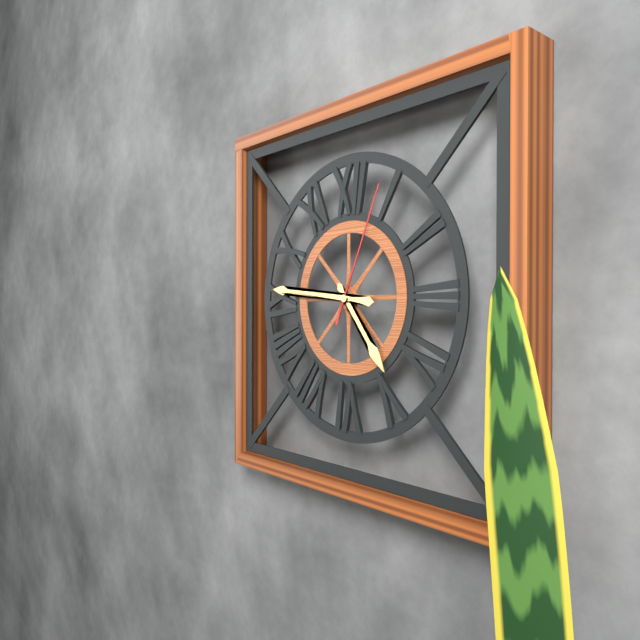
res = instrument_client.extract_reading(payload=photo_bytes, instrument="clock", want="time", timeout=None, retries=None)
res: 4:46:04
